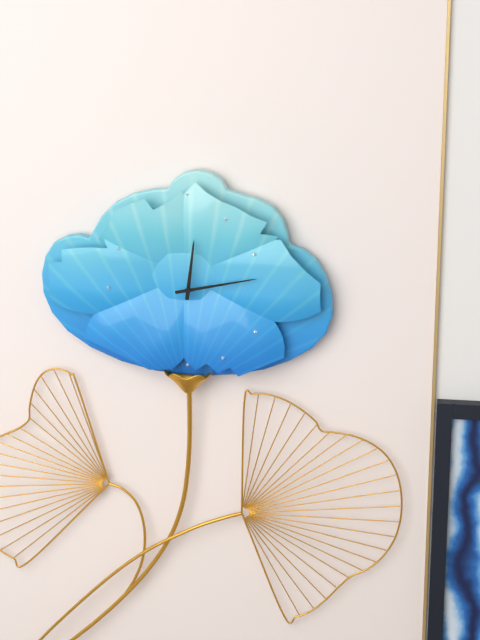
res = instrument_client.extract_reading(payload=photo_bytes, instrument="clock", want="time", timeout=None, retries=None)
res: 12:13
